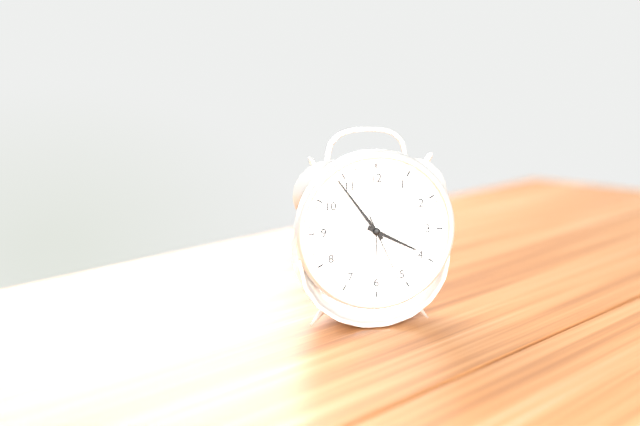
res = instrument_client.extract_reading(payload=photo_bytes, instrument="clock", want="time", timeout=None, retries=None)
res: 3:54:26
